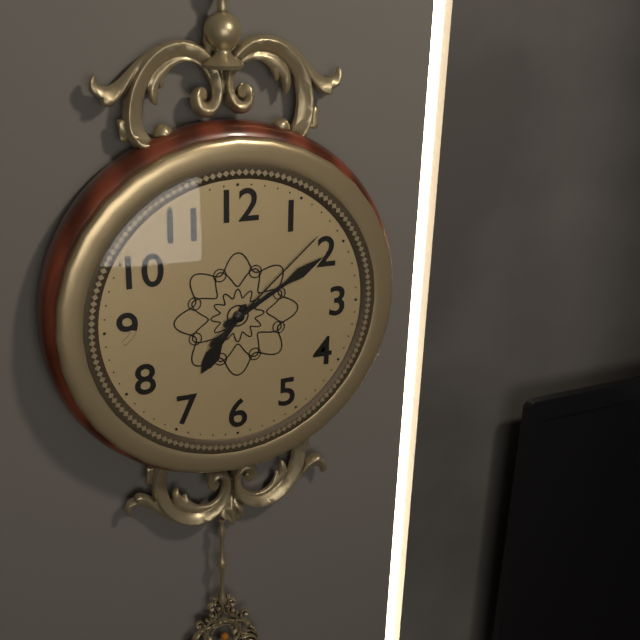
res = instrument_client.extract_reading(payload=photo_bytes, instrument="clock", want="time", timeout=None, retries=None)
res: 7:10:08
